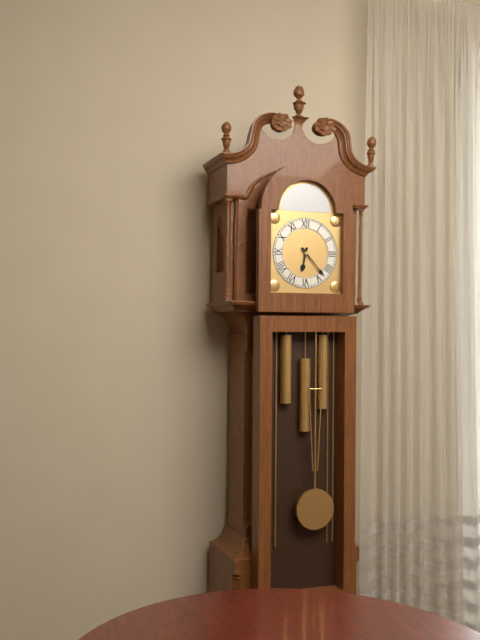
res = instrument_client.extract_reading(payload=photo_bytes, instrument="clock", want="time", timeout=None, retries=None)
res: 6:23
